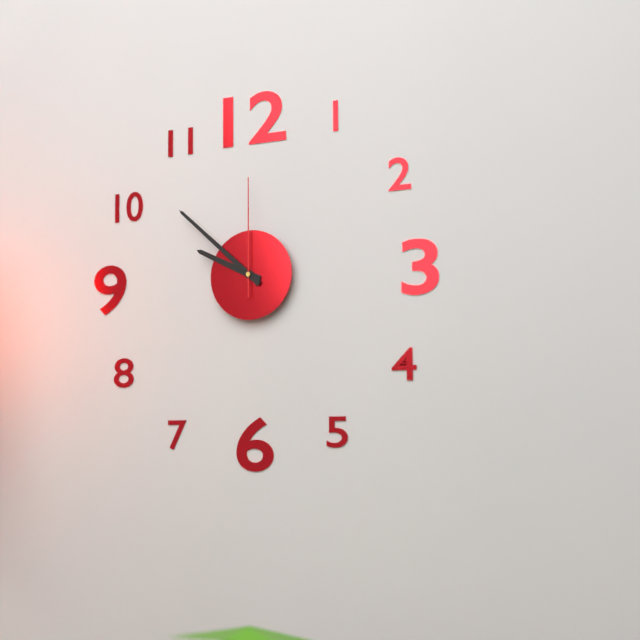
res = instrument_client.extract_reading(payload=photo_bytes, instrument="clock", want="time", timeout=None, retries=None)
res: 9:52:00
